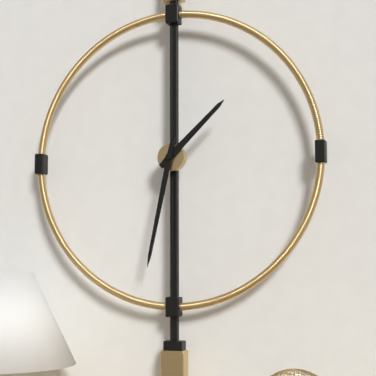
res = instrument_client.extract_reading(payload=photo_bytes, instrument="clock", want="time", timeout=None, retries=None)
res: 1:32
